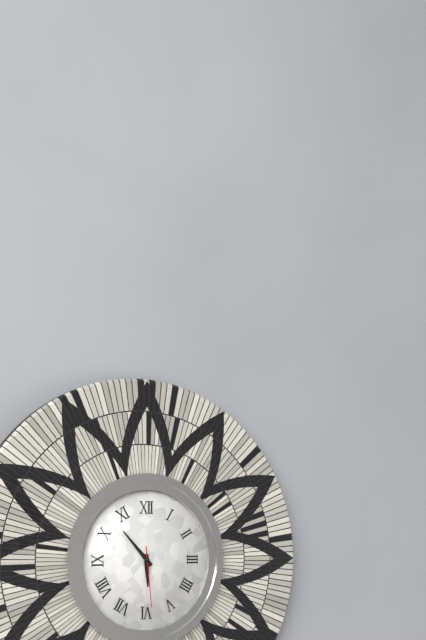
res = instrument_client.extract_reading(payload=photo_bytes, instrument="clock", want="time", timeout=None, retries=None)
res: 5:53:29
